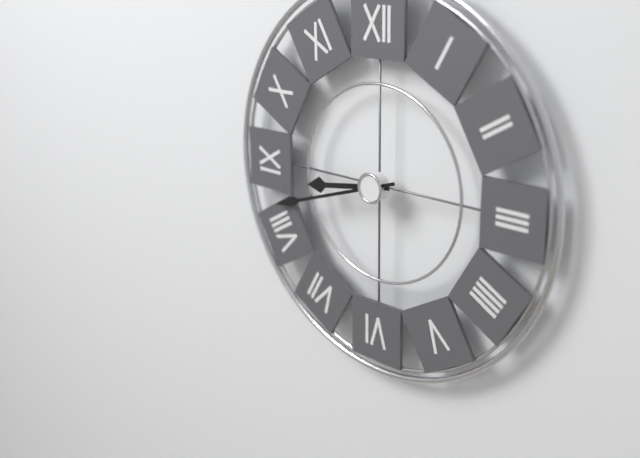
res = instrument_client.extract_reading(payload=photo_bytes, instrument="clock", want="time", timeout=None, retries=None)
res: 8:42
